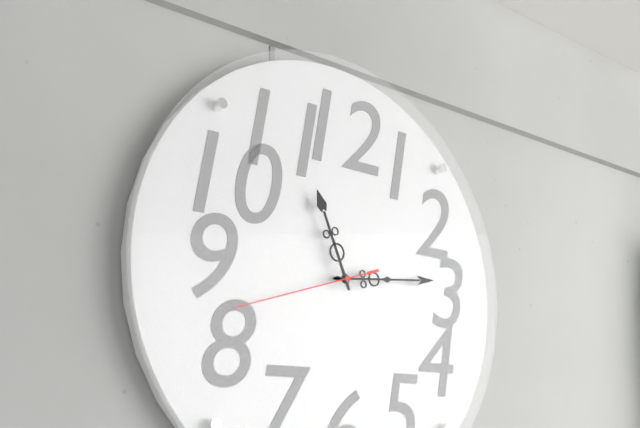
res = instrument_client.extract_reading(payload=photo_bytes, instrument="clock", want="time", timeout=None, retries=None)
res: 11:14:42
